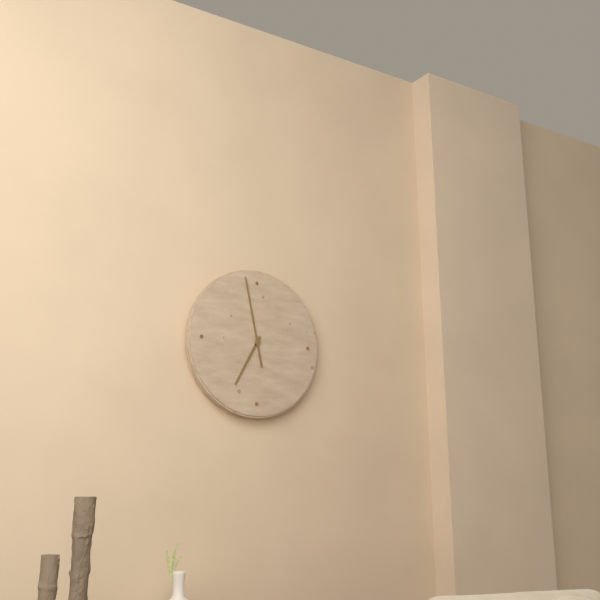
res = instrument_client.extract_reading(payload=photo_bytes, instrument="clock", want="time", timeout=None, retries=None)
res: 6:58
